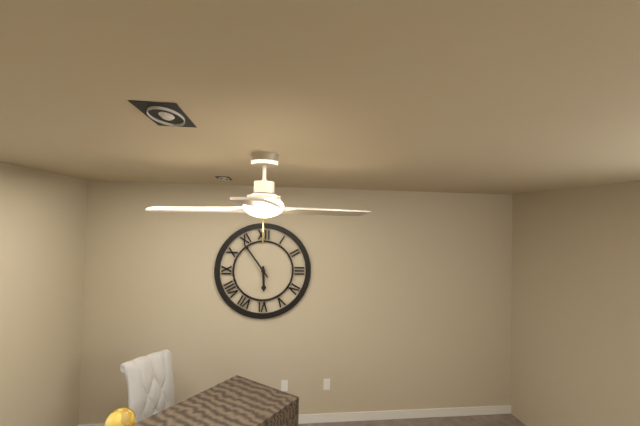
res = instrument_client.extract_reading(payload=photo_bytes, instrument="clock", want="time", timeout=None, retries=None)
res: 5:54
